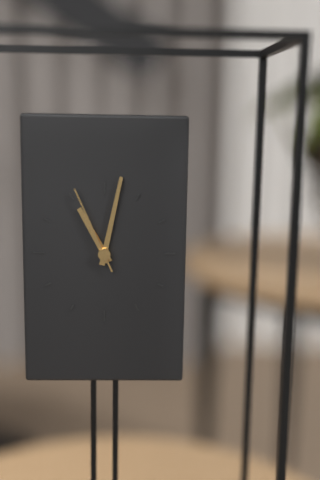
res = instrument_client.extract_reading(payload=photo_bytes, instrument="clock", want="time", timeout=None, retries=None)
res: 11:02:56
